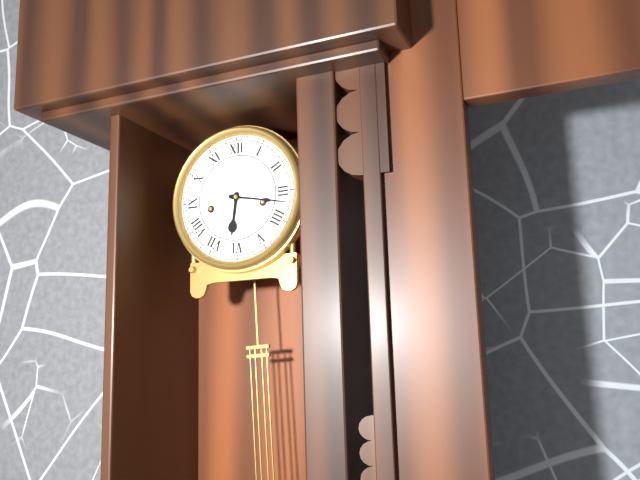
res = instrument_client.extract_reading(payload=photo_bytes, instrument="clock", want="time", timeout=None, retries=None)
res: 6:17
